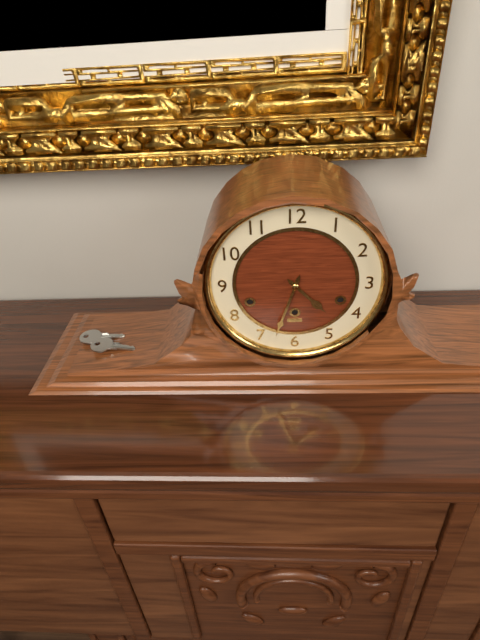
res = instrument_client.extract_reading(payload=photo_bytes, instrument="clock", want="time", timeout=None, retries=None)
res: 4:33
